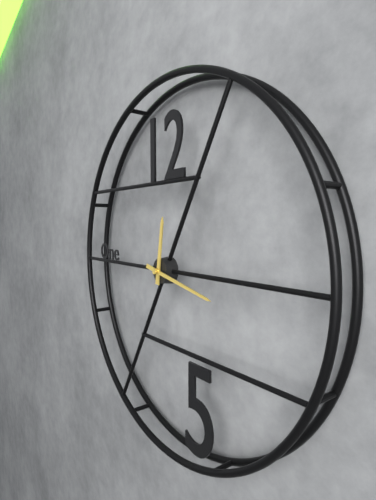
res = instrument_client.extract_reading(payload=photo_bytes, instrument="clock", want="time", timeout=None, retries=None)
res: 12:17
